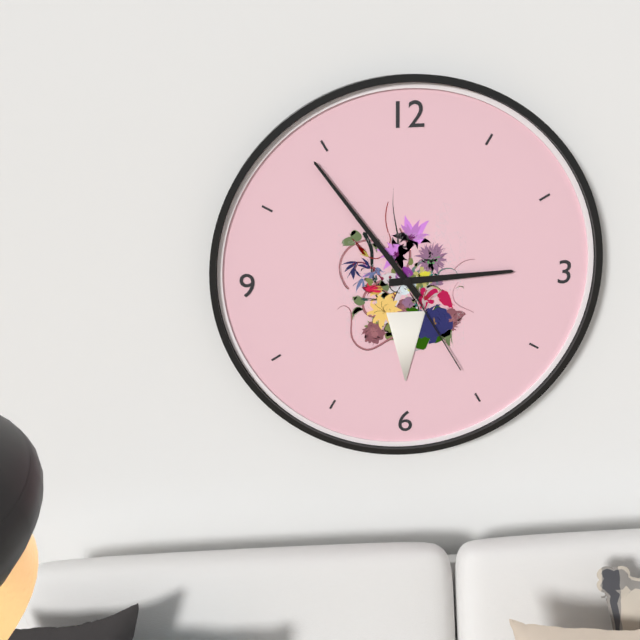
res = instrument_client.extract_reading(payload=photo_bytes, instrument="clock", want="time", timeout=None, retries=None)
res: 2:54:25
